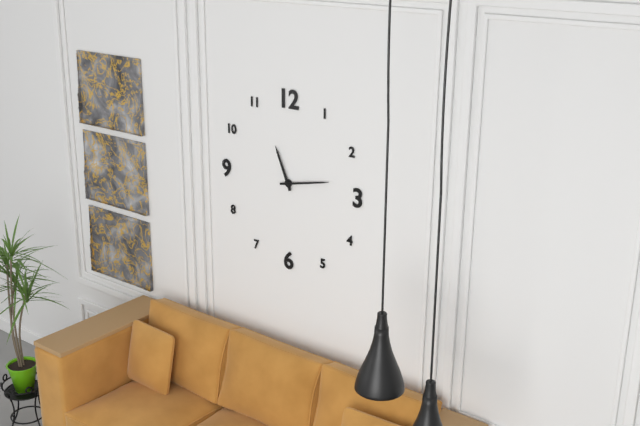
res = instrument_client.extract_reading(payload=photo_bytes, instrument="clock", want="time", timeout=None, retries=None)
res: 11:13
